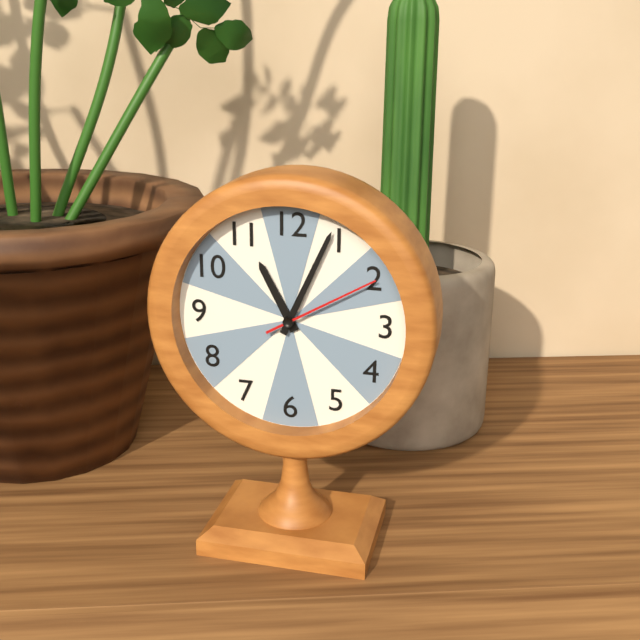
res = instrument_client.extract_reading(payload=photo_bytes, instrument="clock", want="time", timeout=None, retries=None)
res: 11:04:10
